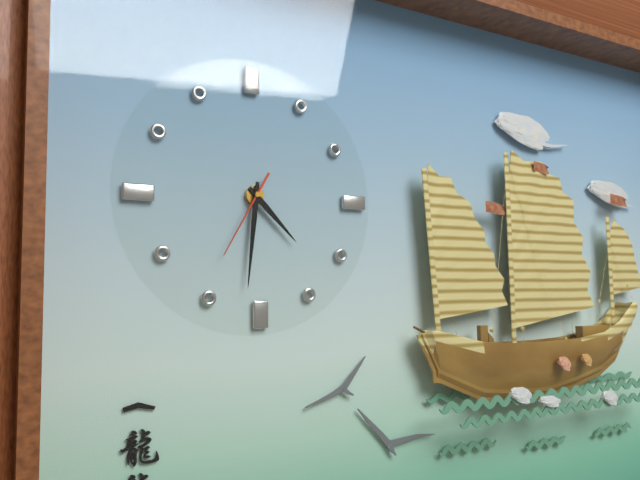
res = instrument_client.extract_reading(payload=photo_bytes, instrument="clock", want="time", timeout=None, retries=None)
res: 4:31:35
